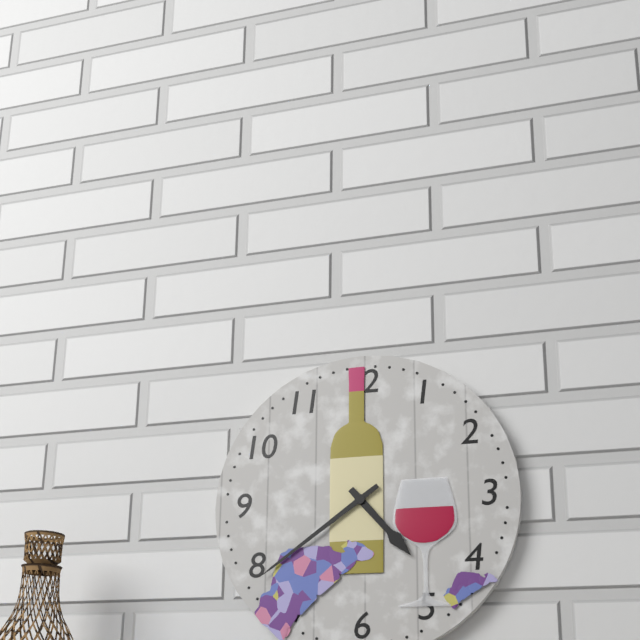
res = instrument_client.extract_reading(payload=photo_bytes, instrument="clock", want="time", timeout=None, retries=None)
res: 4:39
